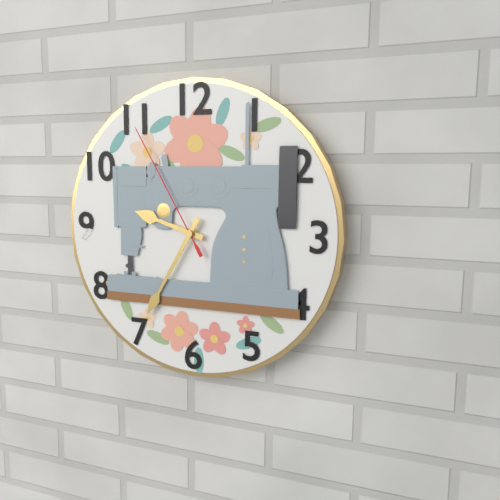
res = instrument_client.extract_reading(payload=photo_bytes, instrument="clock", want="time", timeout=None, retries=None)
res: 9:35:55
